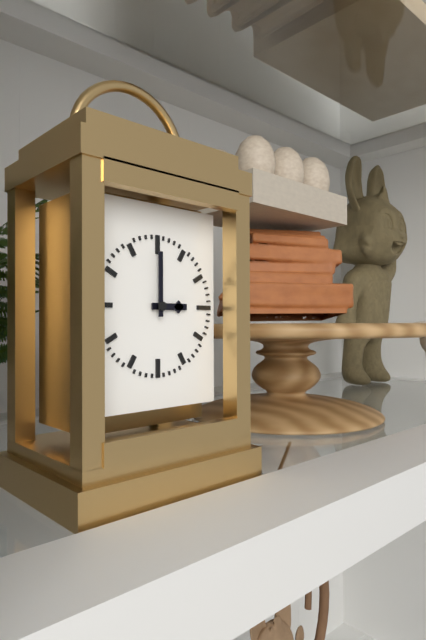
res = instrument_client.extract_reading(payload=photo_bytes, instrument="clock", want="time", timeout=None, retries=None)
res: 3:00
